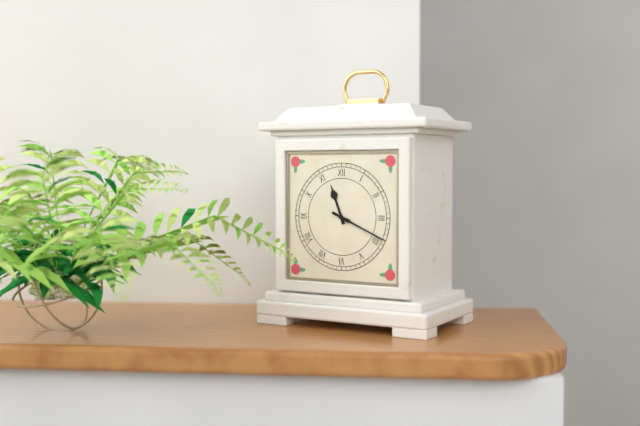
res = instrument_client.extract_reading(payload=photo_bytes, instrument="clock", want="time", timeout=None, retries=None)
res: 11:19
